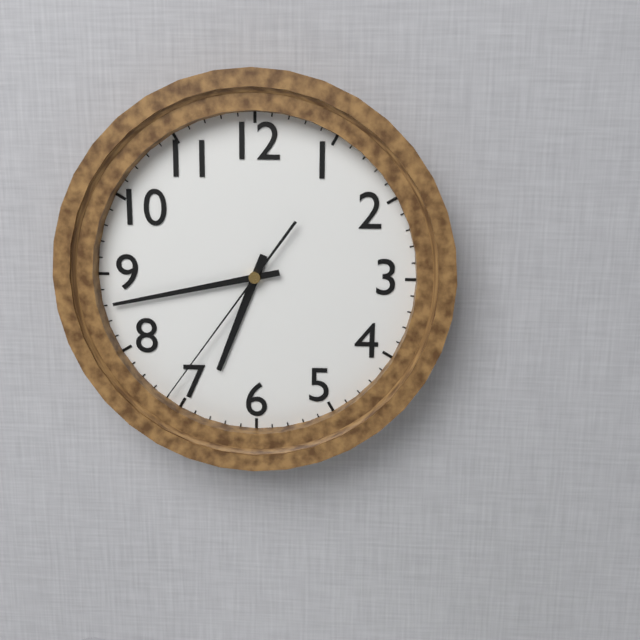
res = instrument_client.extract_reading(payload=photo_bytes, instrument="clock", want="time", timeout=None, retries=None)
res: 6:43:36
